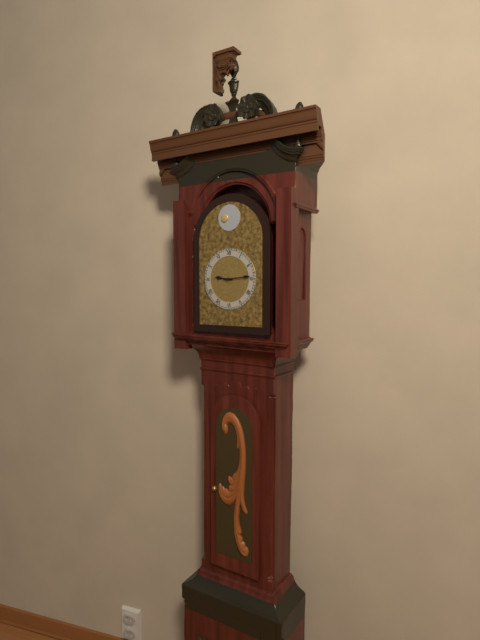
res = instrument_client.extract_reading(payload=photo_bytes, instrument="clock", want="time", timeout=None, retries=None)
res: 9:14
